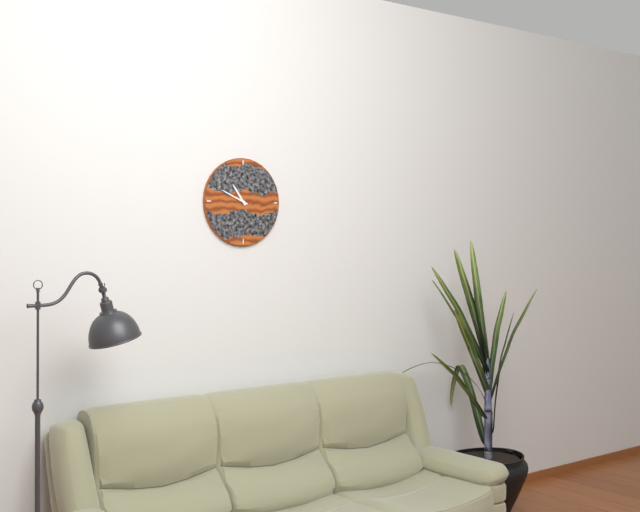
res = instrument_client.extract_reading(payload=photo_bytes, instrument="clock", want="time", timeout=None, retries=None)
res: 10:49
